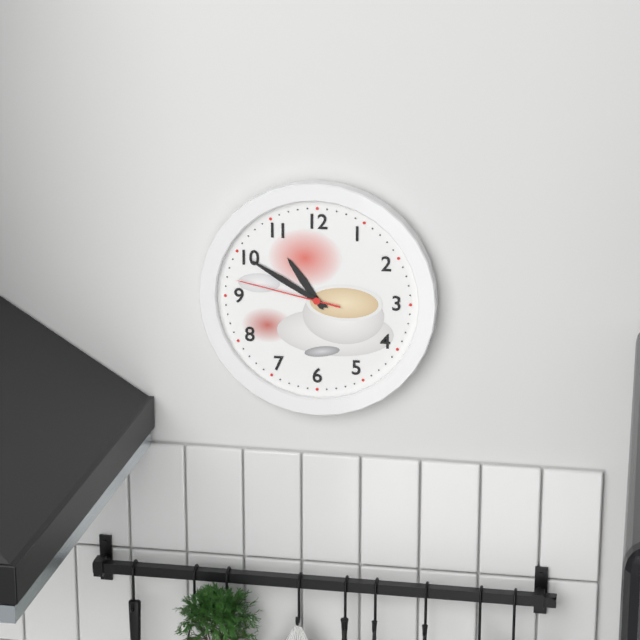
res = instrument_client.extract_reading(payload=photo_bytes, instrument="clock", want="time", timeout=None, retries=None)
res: 10:50:47
